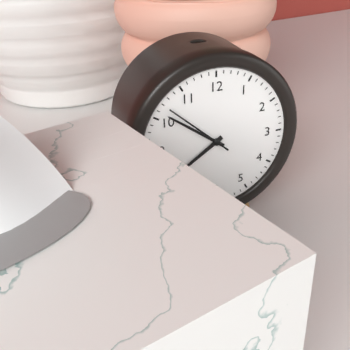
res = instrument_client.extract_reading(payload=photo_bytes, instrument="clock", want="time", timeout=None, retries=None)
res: 7:51:52
